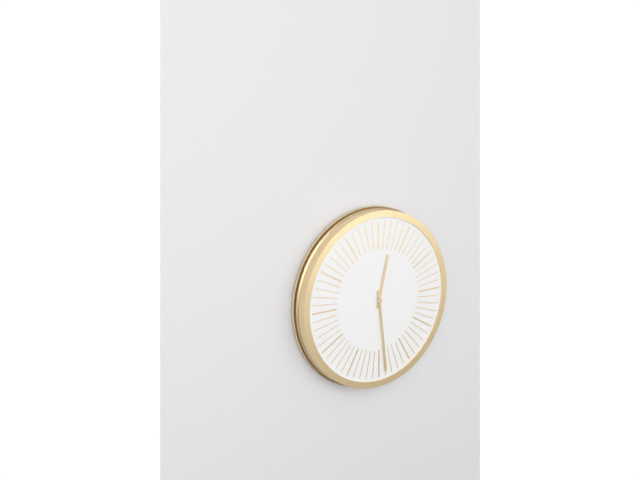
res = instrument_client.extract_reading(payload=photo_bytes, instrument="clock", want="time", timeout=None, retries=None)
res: 12:29
